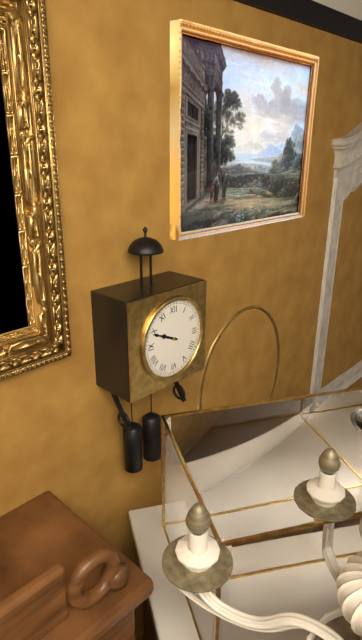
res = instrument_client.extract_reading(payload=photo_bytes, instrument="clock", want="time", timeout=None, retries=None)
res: 9:49
